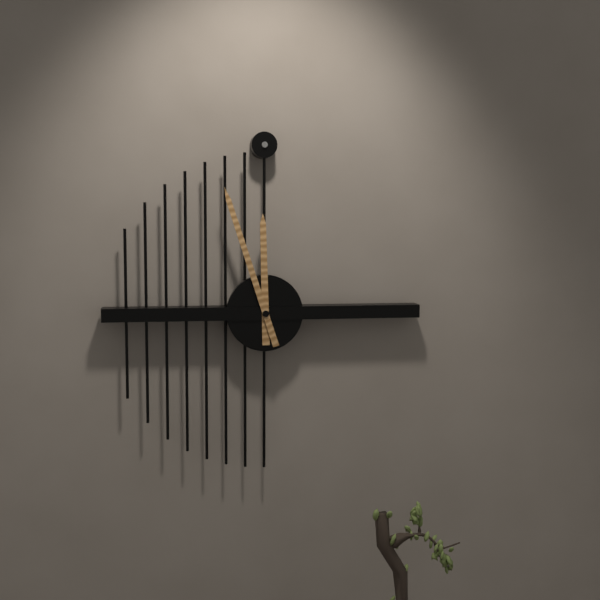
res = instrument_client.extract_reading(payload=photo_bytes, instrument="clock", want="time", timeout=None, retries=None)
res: 11:57
